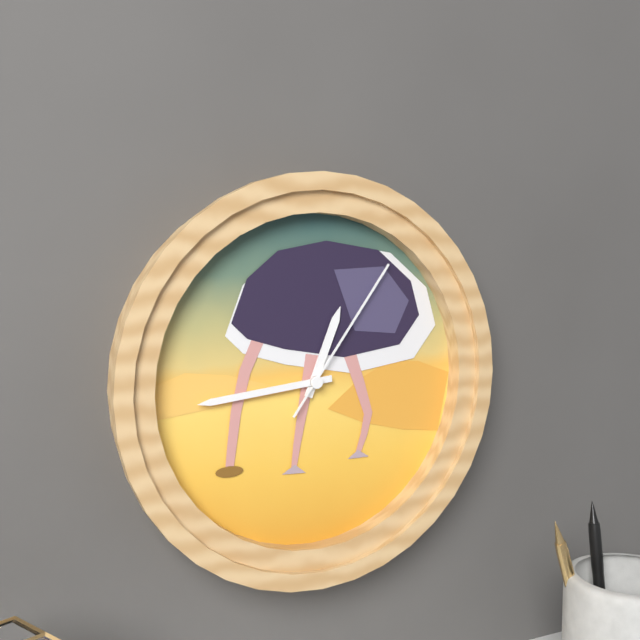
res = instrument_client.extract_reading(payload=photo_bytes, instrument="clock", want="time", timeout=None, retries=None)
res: 12:44:06
